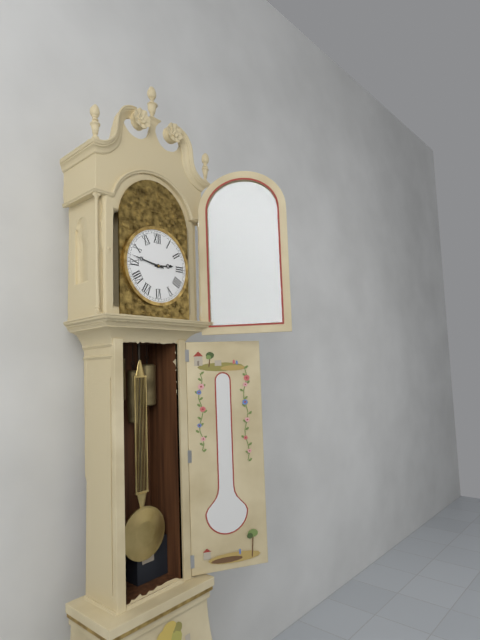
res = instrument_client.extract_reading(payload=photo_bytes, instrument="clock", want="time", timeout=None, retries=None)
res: 2:47
